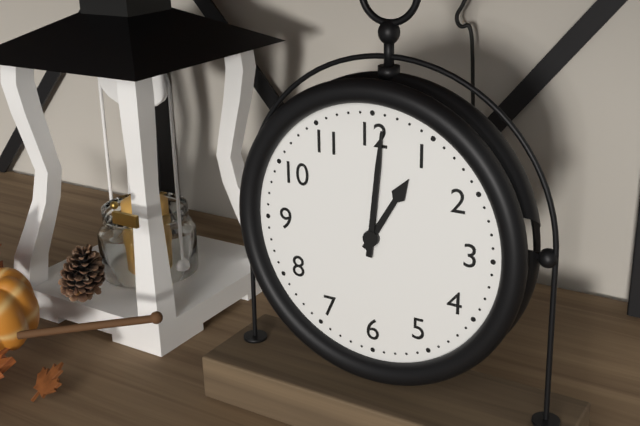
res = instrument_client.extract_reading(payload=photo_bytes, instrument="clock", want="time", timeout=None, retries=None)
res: 1:01
